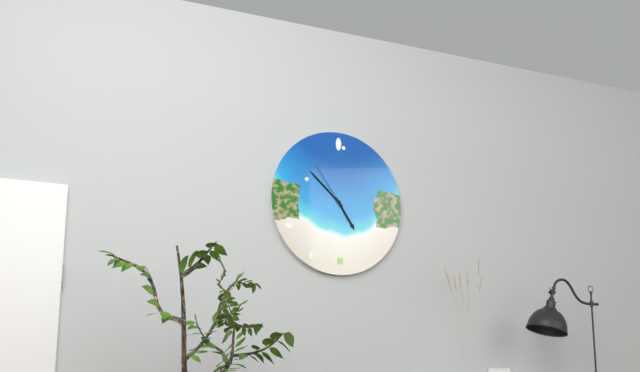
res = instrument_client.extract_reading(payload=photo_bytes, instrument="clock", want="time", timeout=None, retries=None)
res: 4:52:54
